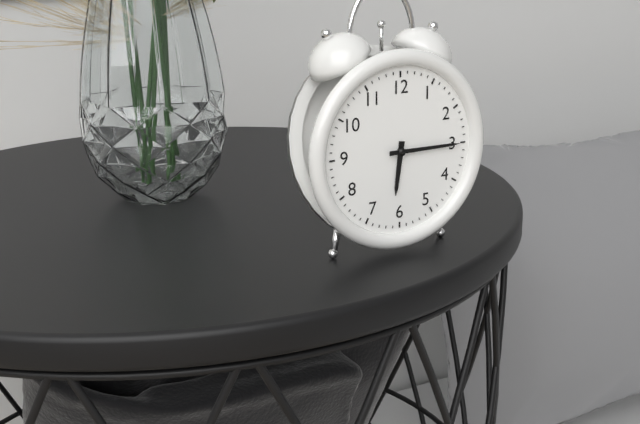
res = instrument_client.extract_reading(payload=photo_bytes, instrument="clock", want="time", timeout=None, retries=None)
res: 6:15
